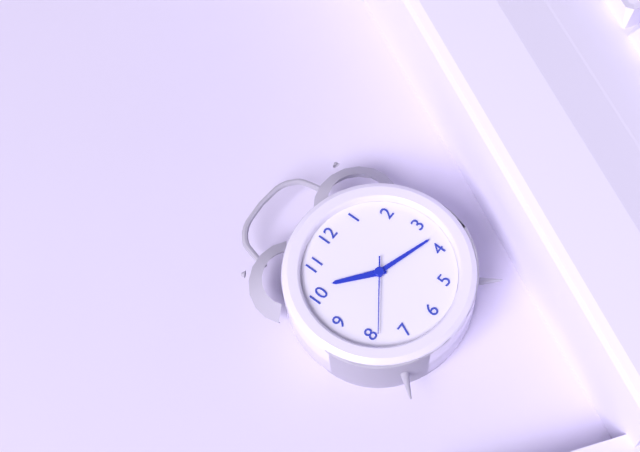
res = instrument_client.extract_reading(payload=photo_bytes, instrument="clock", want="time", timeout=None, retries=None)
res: 10:18:39
